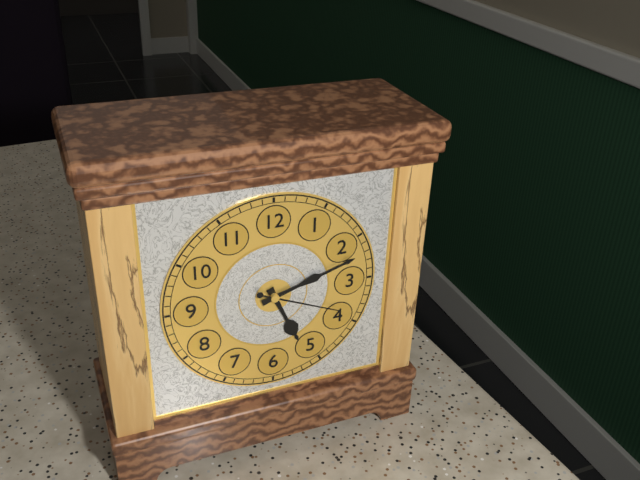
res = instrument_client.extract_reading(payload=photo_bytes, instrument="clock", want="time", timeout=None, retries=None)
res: 5:12:19
